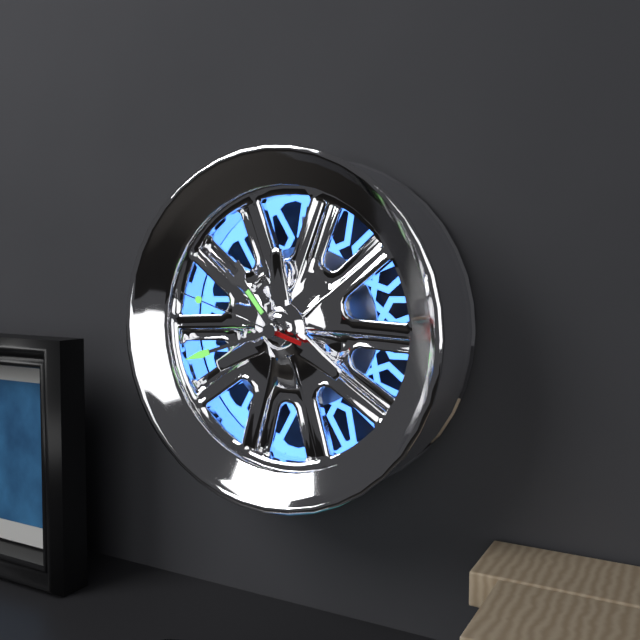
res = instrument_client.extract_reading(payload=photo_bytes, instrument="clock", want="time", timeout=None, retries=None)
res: 10:42:48
